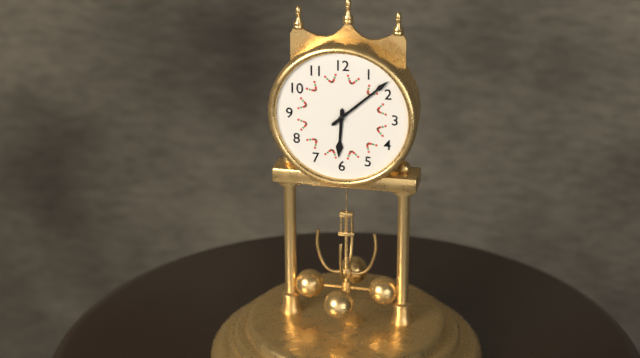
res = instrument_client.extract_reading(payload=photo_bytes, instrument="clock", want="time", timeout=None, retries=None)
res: 6:08
